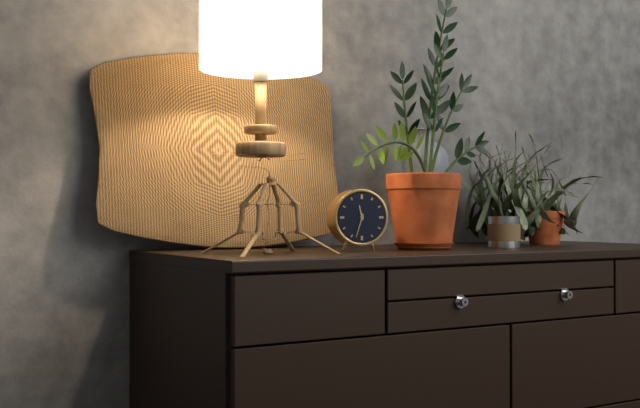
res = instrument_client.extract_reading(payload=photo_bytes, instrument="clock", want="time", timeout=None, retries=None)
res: 11:33
